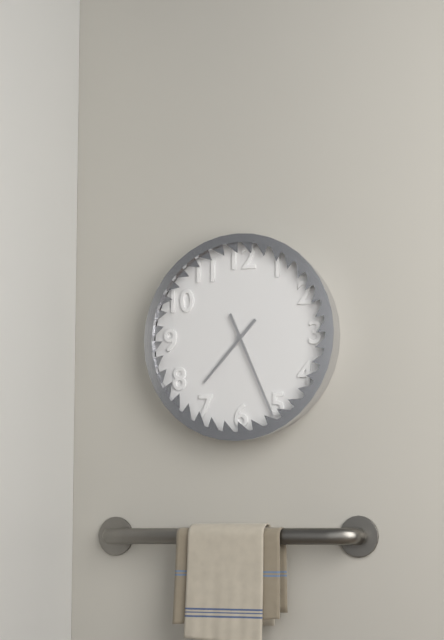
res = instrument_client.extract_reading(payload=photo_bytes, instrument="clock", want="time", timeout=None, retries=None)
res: 7:26
